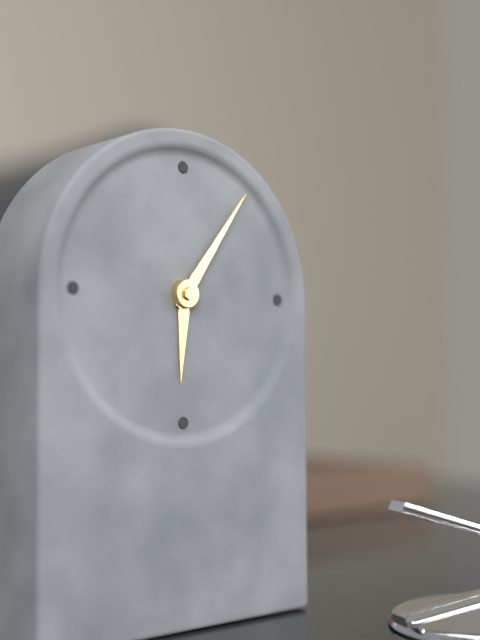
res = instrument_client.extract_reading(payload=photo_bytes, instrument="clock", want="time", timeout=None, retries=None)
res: 6:06
